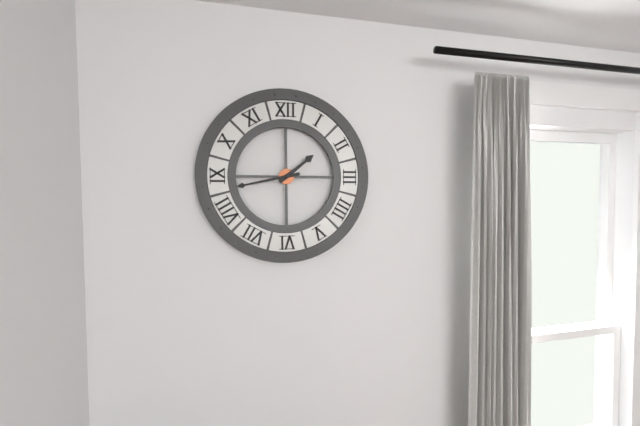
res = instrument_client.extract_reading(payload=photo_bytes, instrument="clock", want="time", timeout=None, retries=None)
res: 1:43
